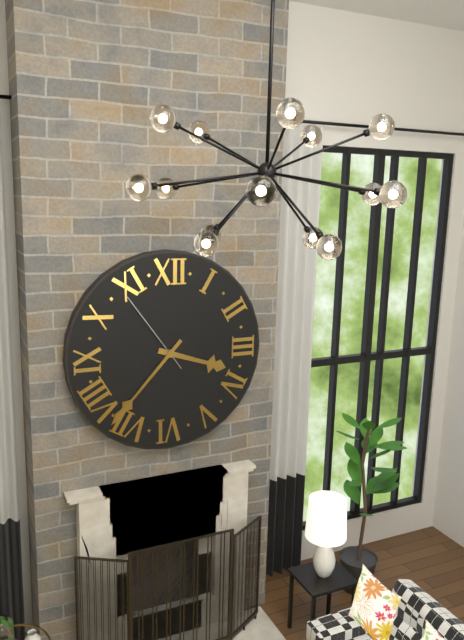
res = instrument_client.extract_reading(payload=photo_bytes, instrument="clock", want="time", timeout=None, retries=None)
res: 3:37:54
